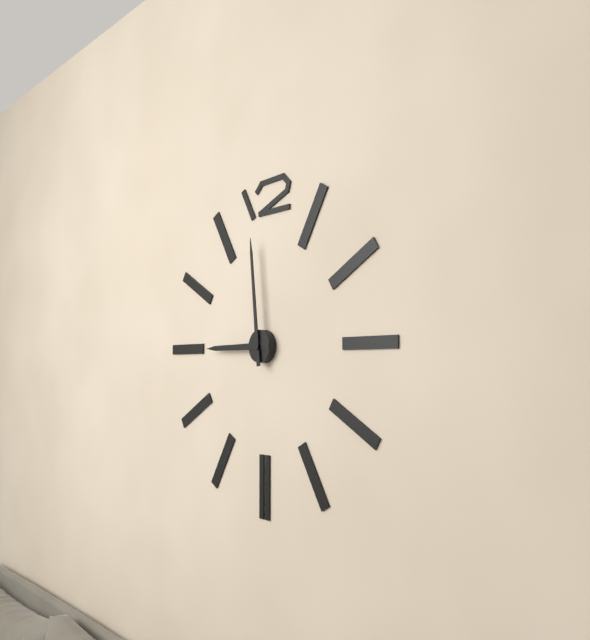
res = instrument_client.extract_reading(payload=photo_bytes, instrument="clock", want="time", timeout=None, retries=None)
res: 8:59
